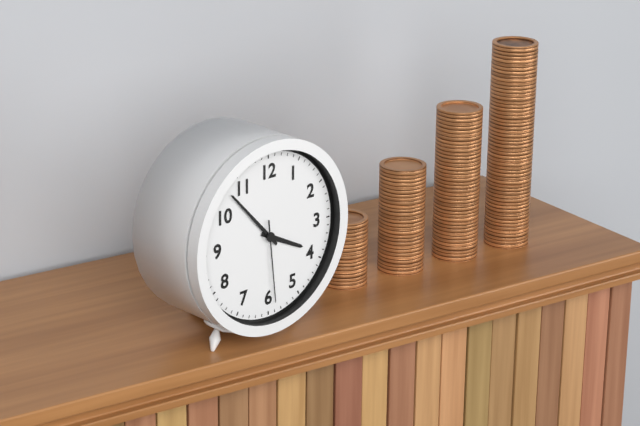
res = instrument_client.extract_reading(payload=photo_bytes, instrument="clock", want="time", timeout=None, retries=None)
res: 3:53:29
